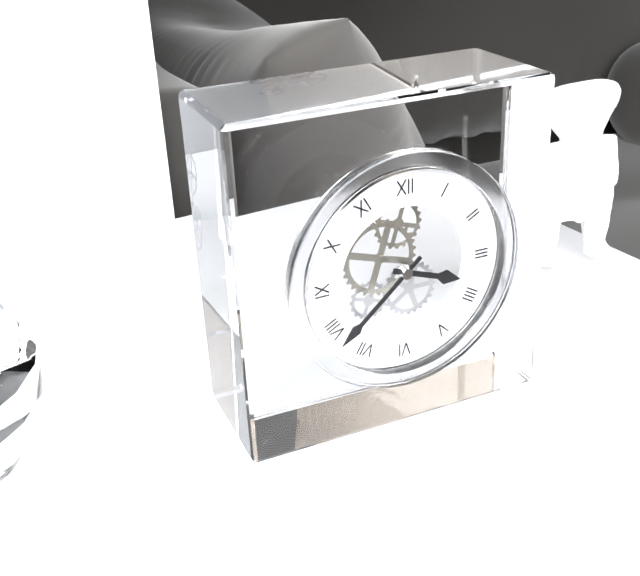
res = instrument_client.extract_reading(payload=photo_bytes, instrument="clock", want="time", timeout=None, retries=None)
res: 3:38
